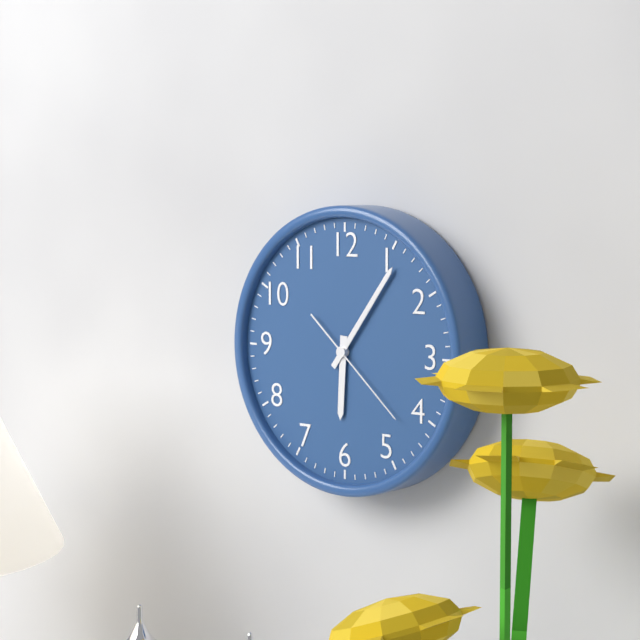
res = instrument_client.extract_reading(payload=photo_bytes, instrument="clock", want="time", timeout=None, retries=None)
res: 6:06:22
